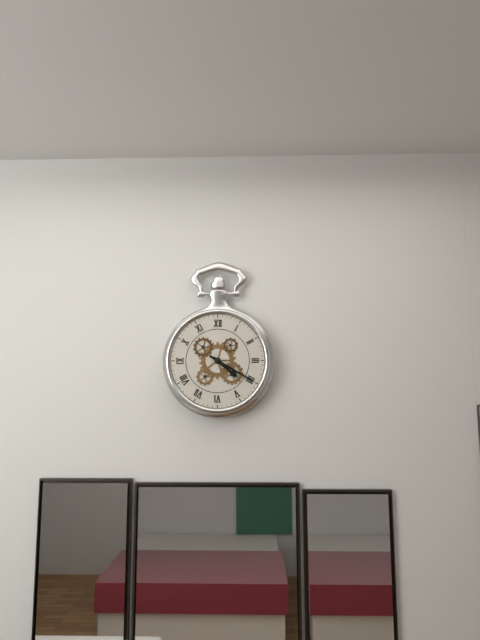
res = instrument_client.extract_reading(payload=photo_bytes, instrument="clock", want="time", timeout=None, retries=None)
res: 4:20
